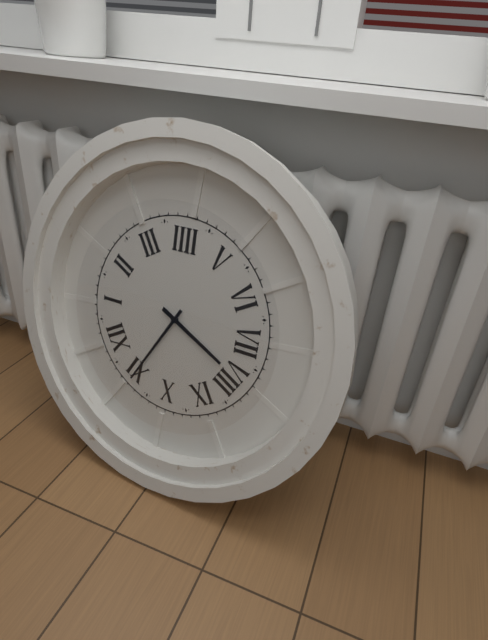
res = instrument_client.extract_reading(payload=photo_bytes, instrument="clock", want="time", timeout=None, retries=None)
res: 7:55
